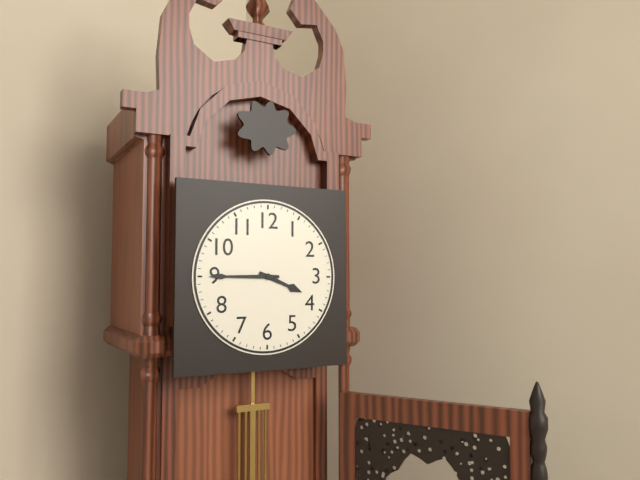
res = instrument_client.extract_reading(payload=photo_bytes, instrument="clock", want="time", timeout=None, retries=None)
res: 3:45
